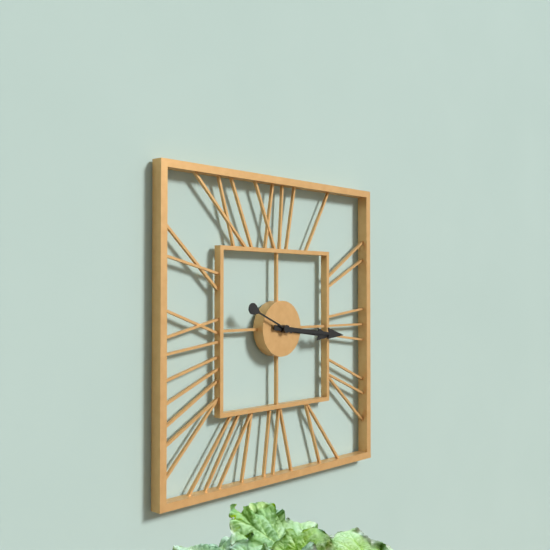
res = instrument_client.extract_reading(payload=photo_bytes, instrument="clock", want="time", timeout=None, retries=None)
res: 3:16
